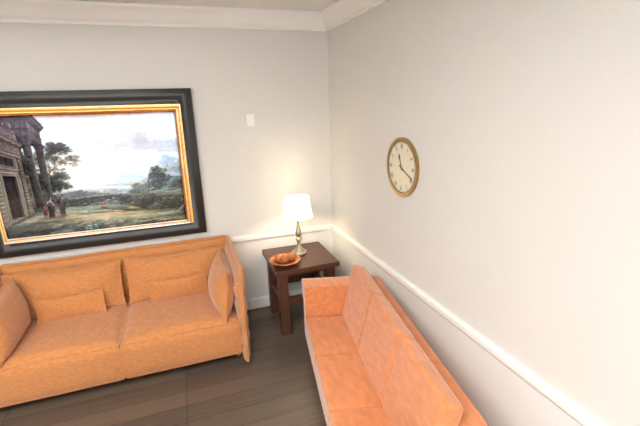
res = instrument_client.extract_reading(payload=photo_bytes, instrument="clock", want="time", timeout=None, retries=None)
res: 11:19
